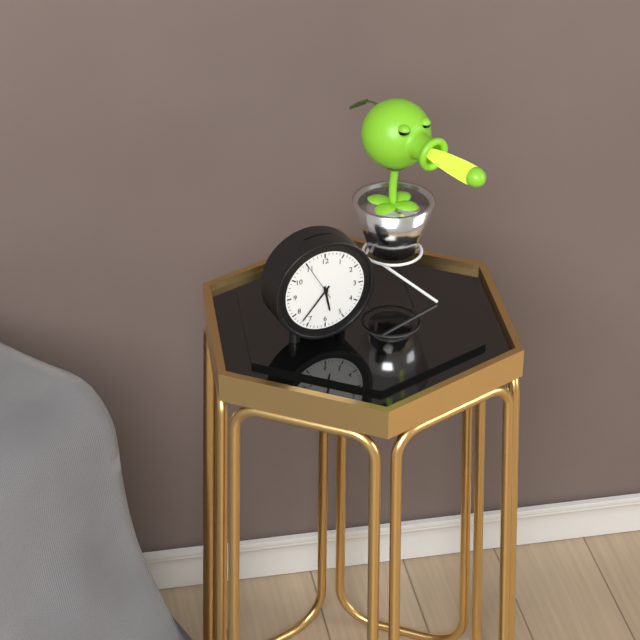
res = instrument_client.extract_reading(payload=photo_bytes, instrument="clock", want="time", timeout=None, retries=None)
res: 5:37
